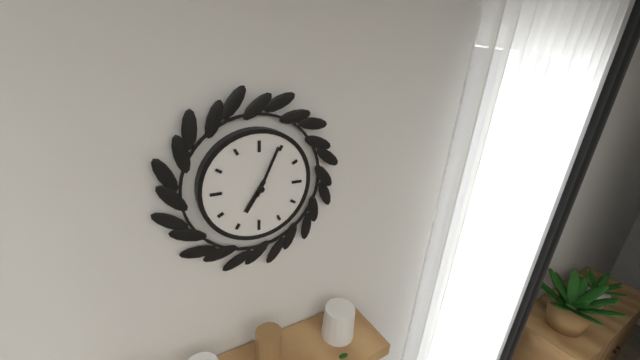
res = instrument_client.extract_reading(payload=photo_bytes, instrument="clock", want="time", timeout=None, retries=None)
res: 7:04
